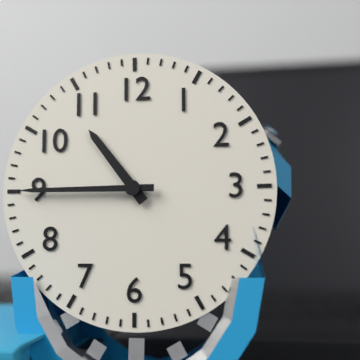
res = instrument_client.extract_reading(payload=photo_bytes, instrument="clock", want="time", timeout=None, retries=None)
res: 10:45
